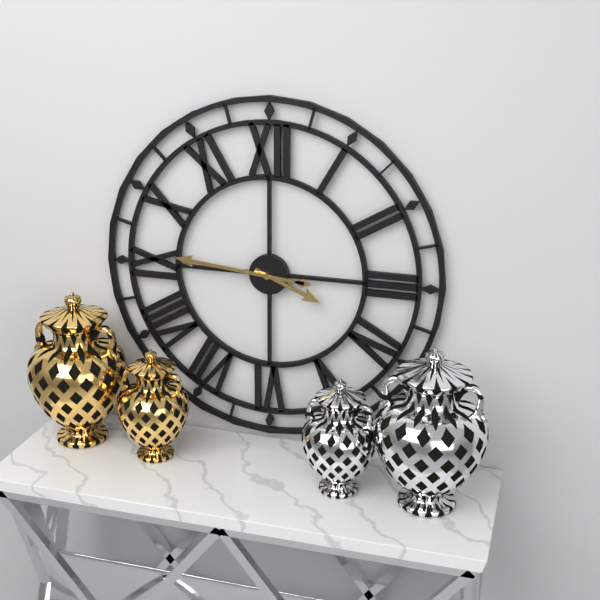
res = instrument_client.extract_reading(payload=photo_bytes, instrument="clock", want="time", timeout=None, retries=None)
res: 3:46
